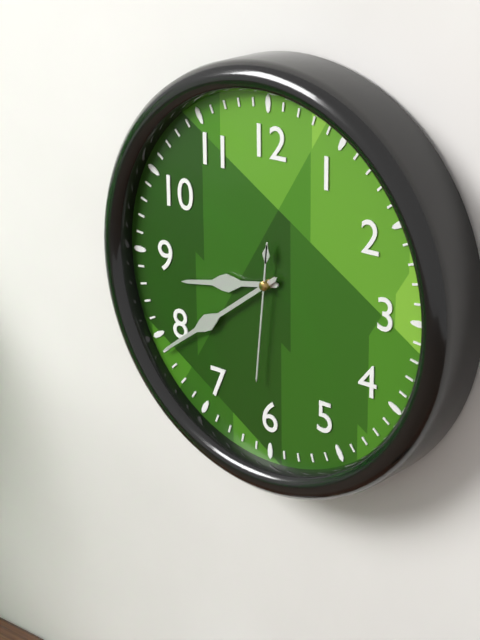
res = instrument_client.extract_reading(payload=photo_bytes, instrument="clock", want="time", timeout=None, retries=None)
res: 8:39:31
